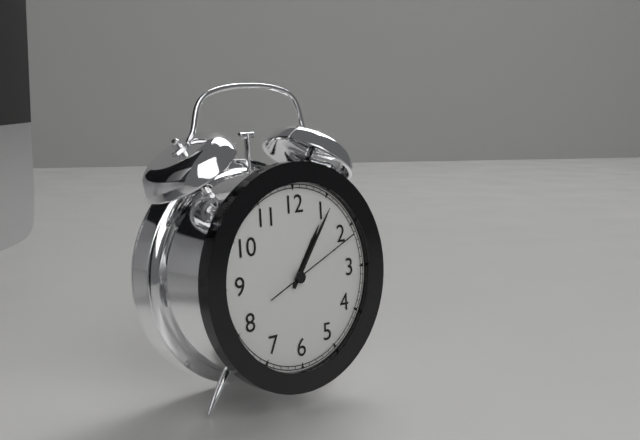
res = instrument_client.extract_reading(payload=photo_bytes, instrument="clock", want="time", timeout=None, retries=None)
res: 1:06:11
